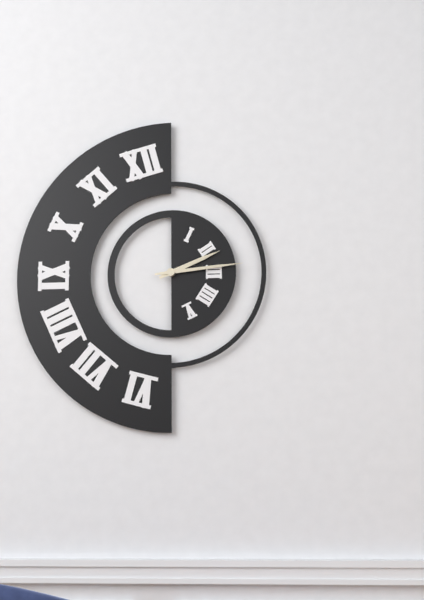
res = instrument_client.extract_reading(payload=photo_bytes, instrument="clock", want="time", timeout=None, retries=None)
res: 2:14
